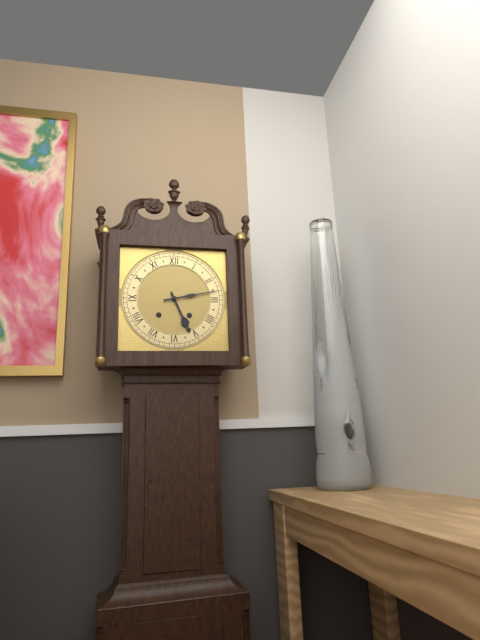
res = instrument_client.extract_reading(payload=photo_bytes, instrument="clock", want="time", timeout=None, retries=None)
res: 5:13
